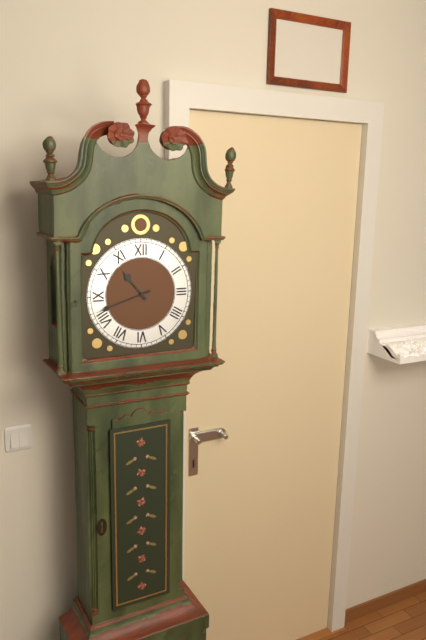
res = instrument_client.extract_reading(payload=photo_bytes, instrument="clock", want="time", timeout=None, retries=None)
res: 10:42
